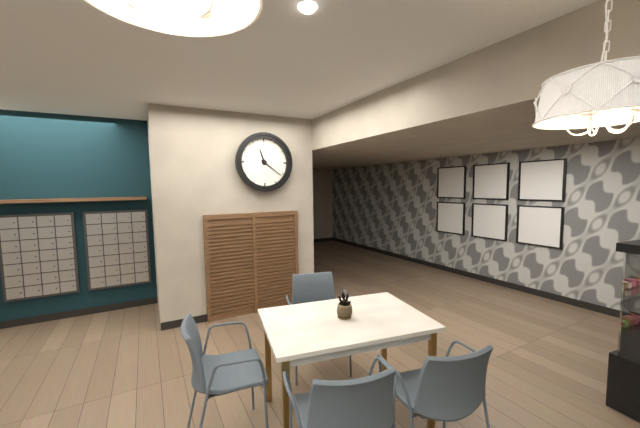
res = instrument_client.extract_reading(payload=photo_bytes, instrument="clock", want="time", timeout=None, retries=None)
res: 11:21
